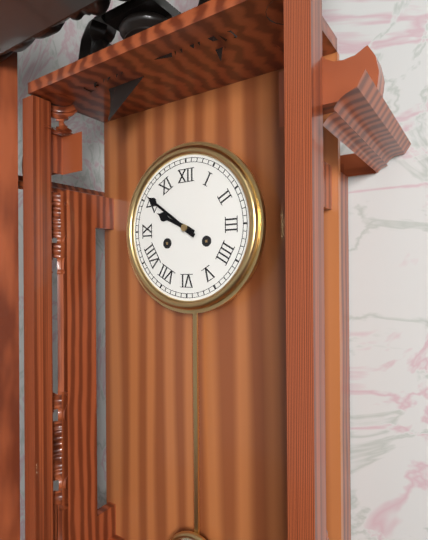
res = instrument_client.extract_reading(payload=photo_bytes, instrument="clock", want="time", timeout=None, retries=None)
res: 9:51
